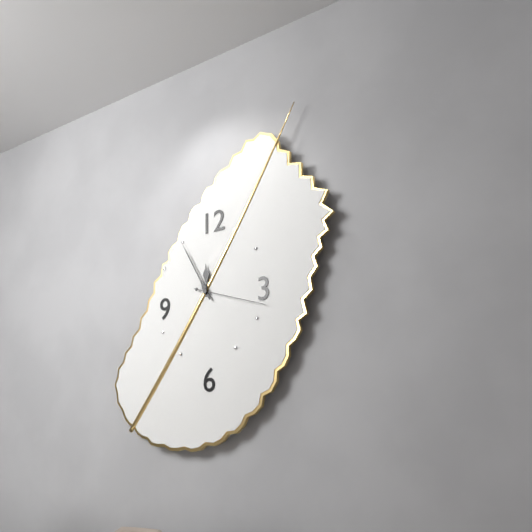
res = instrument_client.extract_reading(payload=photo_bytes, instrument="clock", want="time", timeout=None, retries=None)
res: 11:55:18
